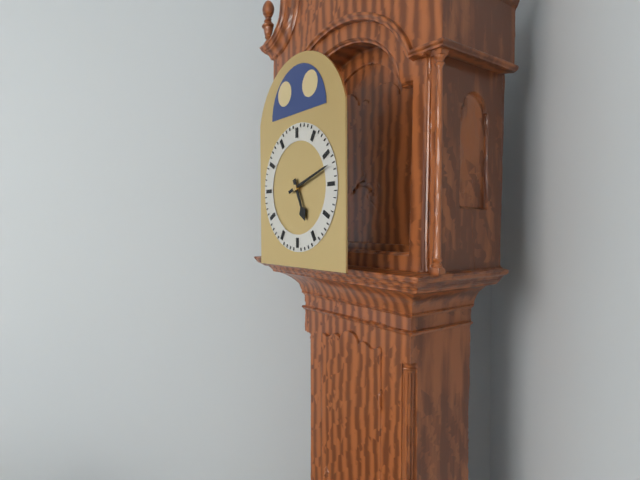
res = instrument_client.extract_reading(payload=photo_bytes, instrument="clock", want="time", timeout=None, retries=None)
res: 5:12
